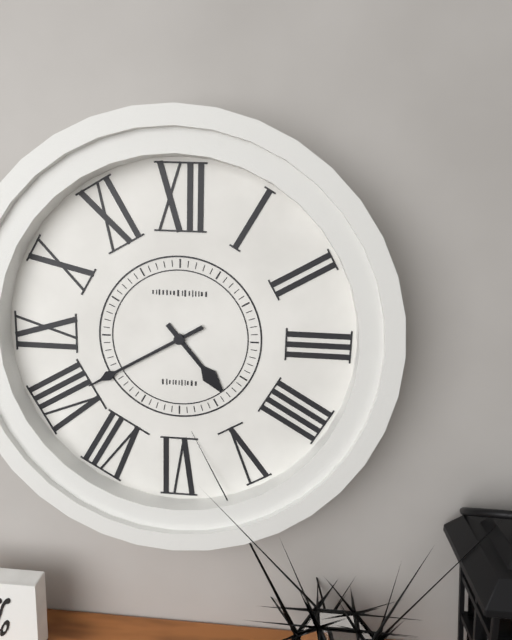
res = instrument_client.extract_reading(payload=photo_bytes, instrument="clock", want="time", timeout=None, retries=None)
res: 4:40
